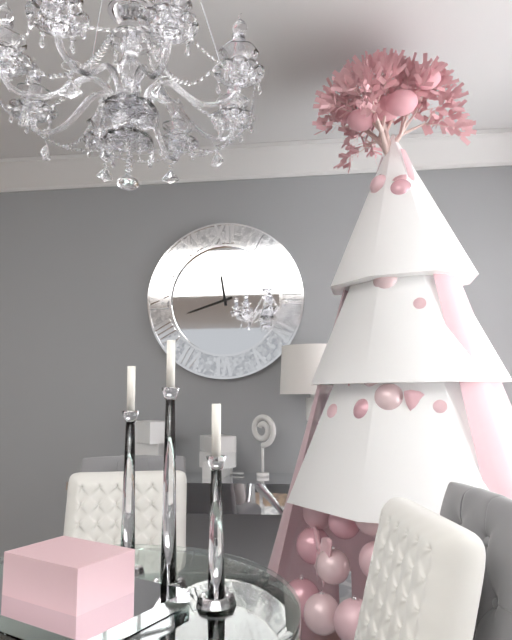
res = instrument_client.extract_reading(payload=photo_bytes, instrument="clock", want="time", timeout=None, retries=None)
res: 11:42
